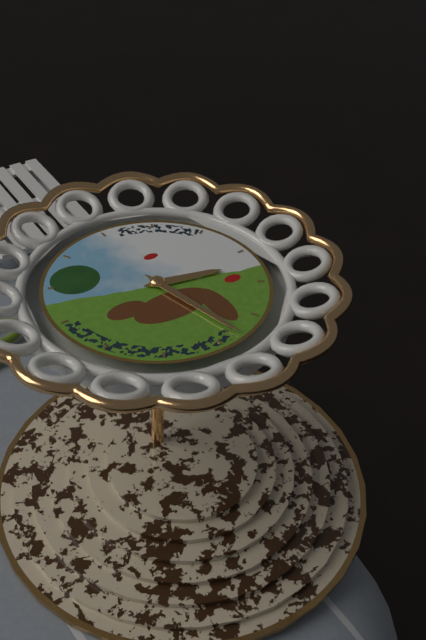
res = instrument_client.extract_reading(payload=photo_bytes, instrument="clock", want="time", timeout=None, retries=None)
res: 3:28
